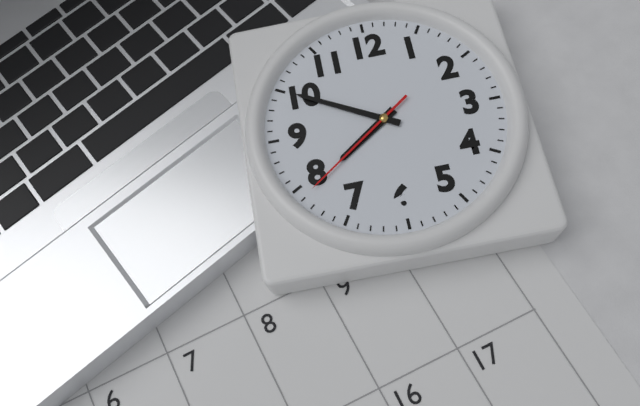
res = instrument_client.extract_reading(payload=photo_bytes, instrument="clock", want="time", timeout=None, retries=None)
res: 7:50:39
